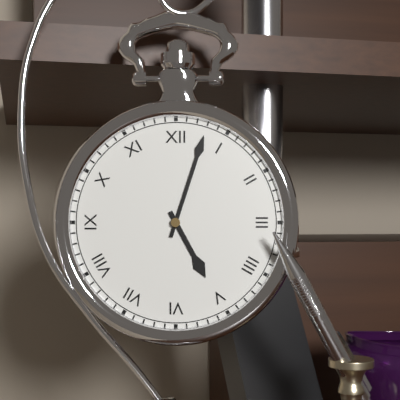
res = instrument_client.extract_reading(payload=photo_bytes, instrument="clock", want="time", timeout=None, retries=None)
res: 5:03
